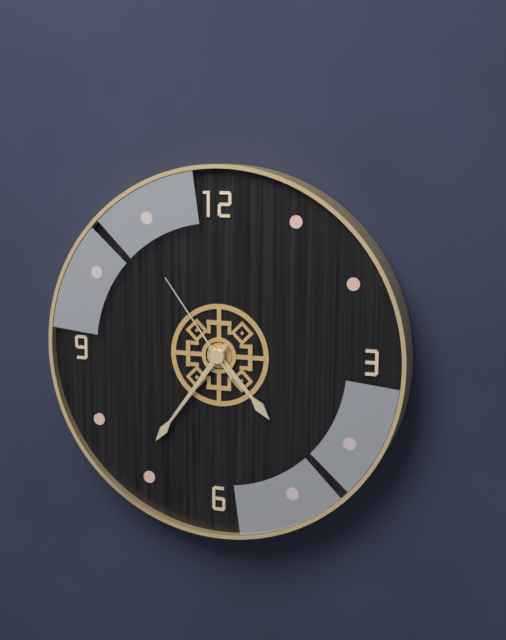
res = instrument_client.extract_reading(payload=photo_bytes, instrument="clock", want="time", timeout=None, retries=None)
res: 4:36:54
